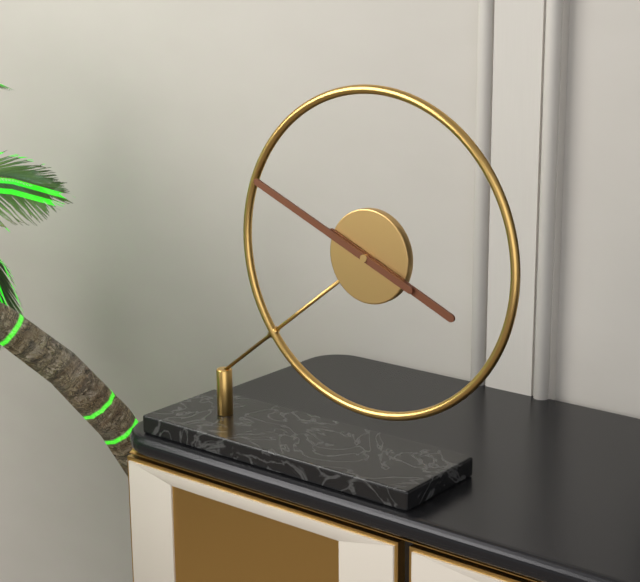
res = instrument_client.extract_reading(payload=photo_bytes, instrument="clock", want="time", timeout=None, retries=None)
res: 3:49
